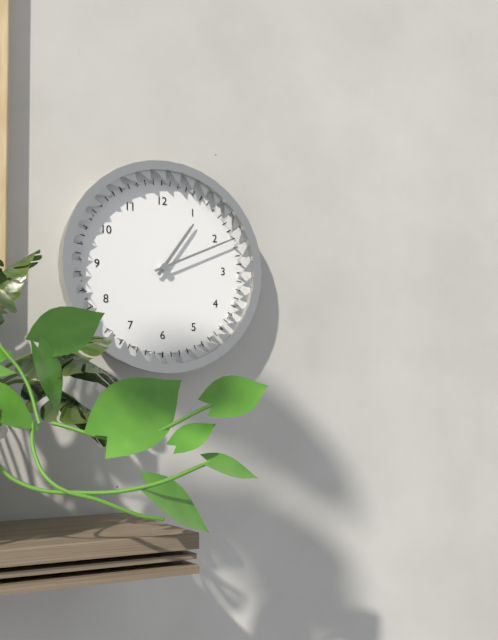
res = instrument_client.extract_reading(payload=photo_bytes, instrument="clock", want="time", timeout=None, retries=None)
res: 1:11
